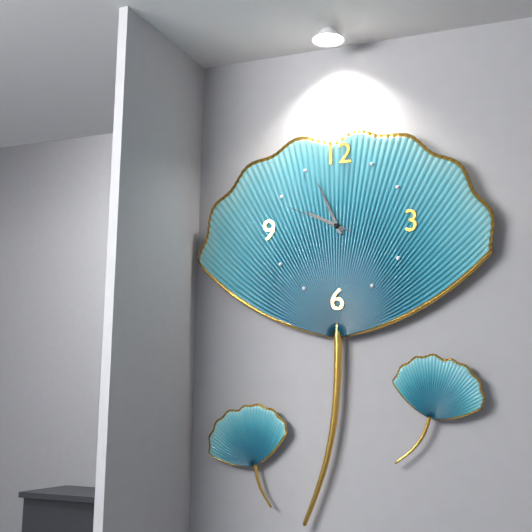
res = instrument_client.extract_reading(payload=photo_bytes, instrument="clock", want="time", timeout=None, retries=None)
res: 9:56:49
